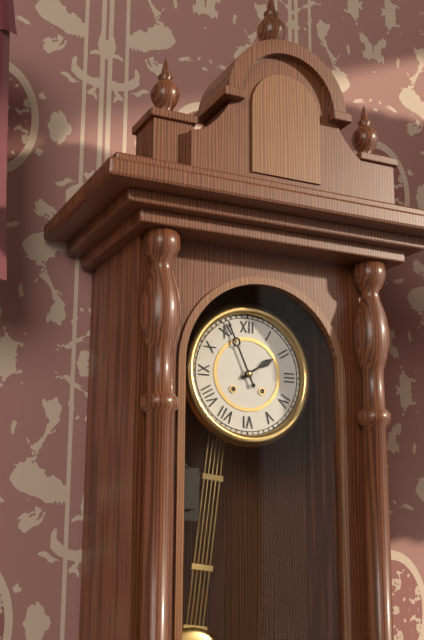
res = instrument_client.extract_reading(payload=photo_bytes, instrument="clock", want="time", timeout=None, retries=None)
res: 1:56
